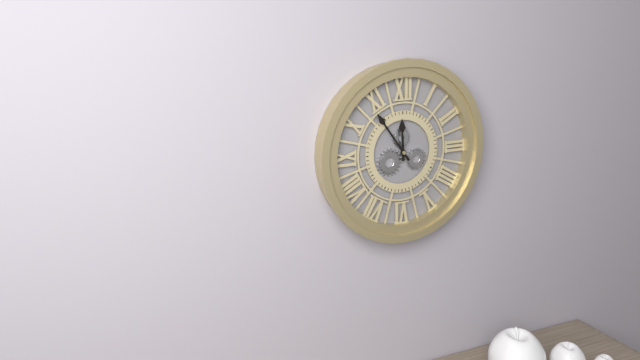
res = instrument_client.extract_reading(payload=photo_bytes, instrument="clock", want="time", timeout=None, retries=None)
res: 11:54
